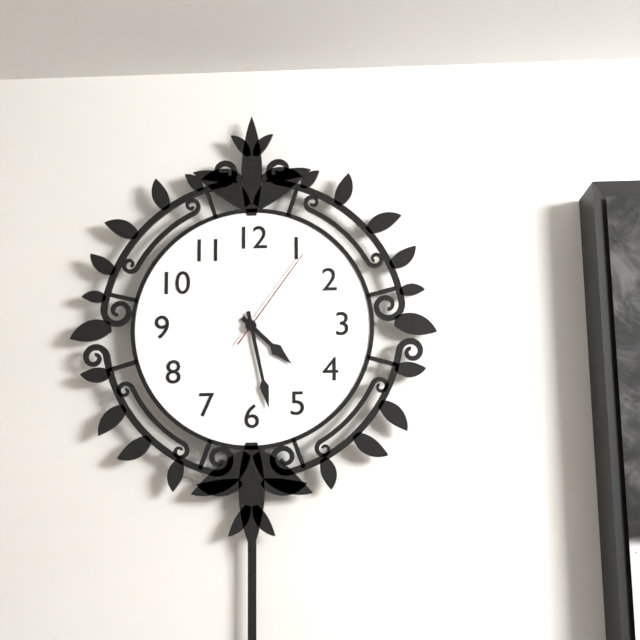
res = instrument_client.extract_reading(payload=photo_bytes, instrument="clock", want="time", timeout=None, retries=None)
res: 4:28:06
